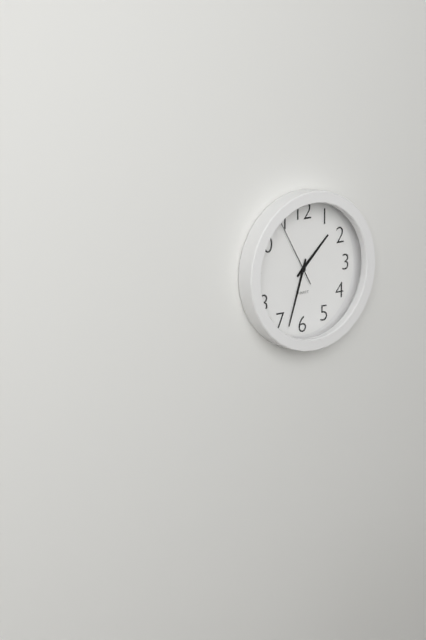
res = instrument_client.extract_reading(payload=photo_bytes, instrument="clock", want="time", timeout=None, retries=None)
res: 1:33:55
